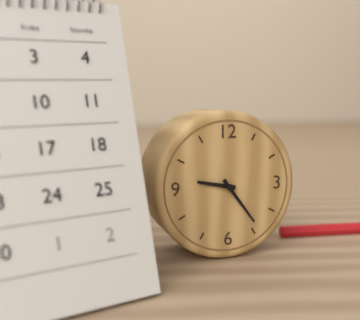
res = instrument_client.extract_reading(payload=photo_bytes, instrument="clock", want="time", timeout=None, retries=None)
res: 9:24
